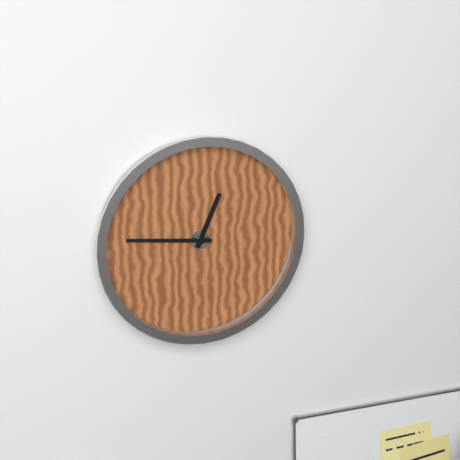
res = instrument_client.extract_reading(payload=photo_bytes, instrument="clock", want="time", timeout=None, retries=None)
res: 12:46
